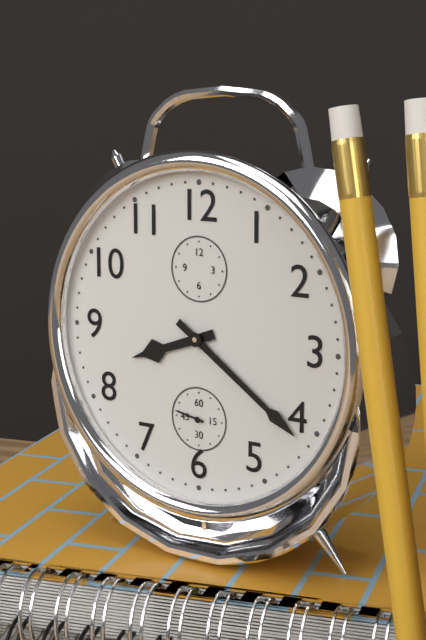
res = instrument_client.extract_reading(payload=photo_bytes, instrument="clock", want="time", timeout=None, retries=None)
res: 8:21
